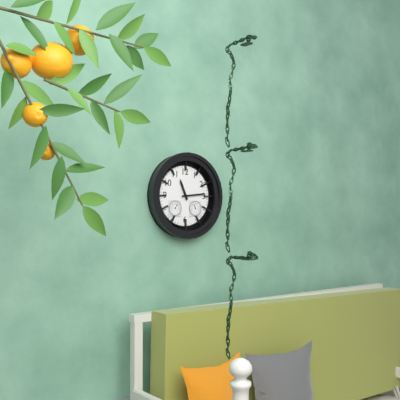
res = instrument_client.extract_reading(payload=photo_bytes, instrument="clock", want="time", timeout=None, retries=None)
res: 11:14
